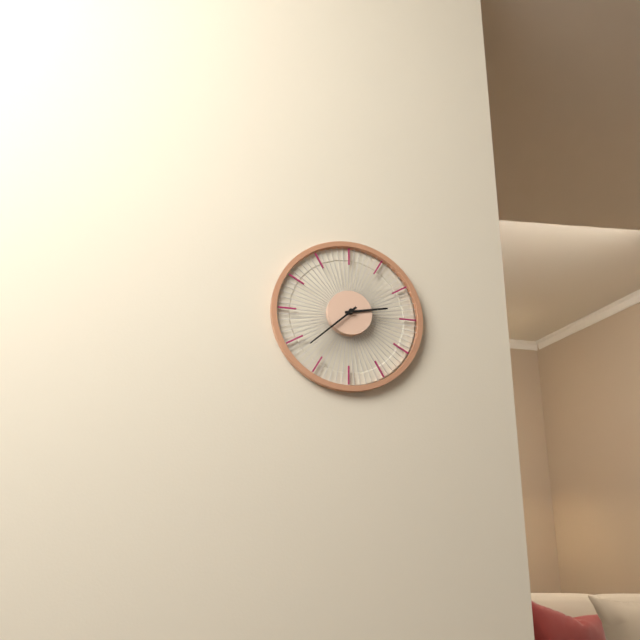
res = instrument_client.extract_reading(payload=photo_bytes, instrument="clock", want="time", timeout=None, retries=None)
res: 2:38
